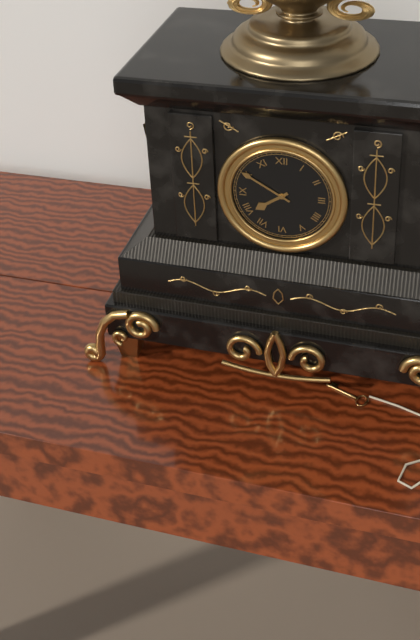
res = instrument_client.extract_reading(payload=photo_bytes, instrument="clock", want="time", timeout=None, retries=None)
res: 7:50
